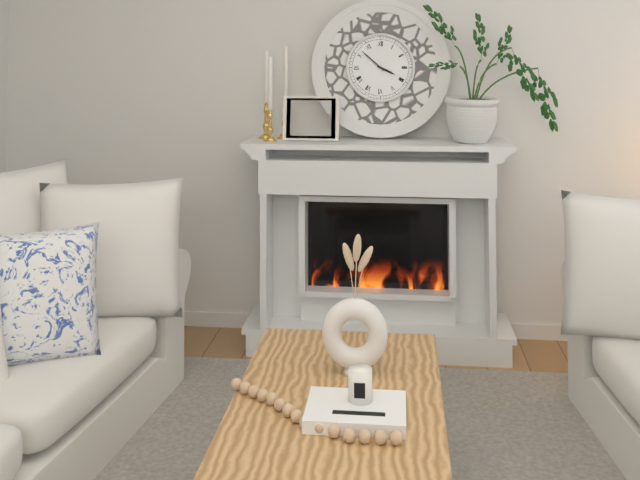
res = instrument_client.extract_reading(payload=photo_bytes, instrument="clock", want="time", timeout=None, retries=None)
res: 3:52
